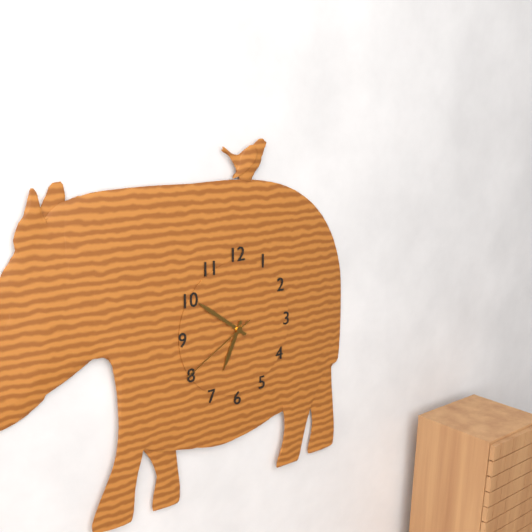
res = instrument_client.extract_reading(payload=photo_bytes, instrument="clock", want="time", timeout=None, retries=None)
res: 6:51:40
